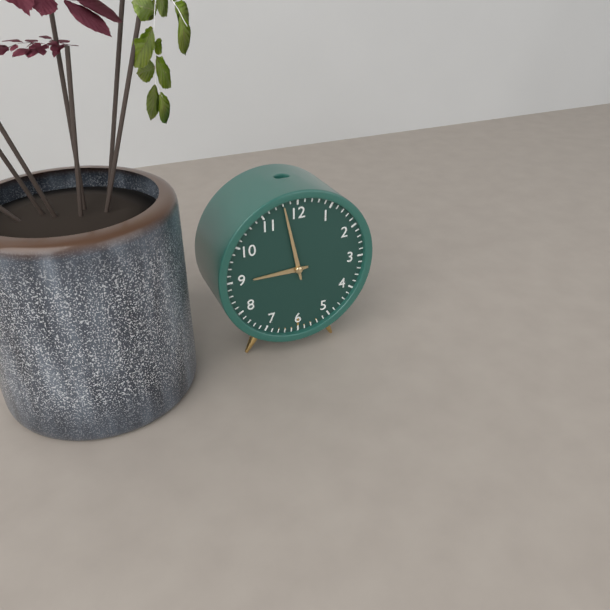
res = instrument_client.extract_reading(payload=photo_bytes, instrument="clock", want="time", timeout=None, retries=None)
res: 8:58
